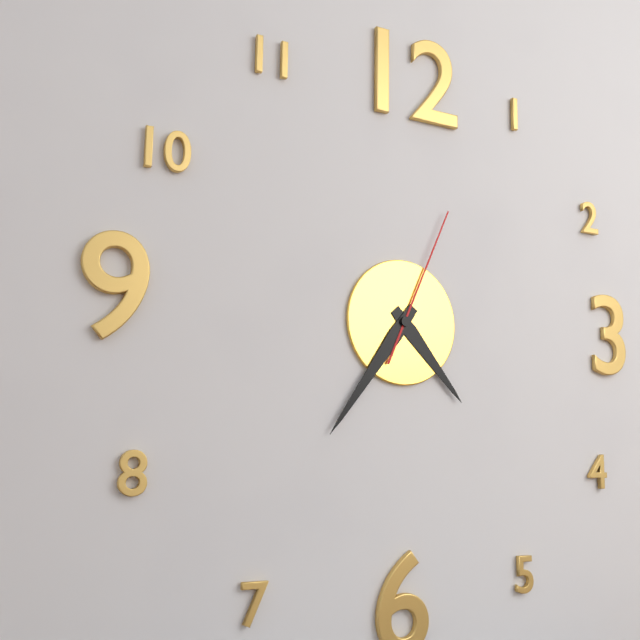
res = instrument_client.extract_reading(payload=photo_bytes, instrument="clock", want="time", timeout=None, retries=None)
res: 4:36:04
